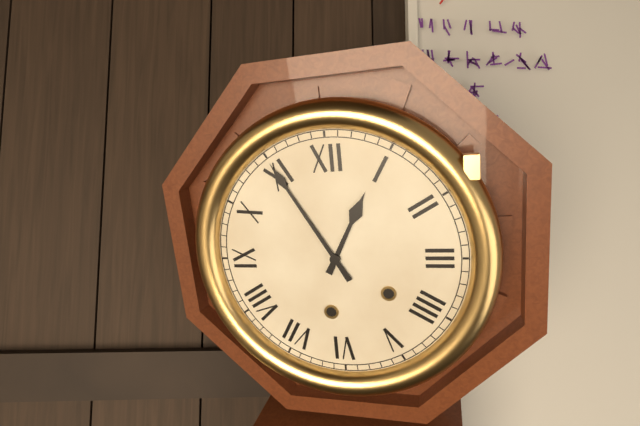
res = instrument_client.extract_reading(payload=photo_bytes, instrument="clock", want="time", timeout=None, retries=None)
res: 12:55
